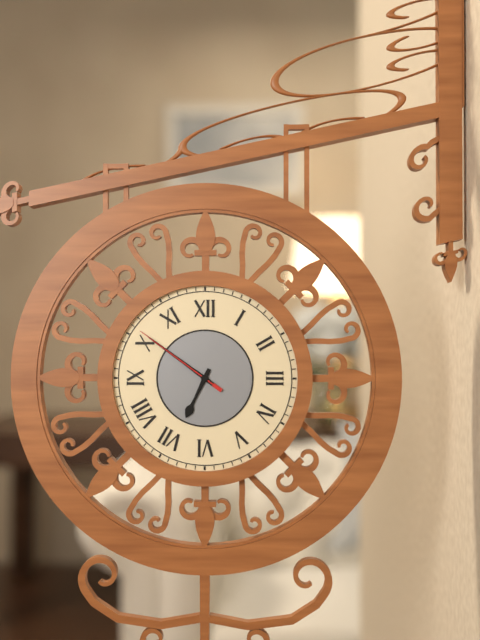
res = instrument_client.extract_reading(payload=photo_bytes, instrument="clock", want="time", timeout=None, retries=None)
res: 6:51:51
